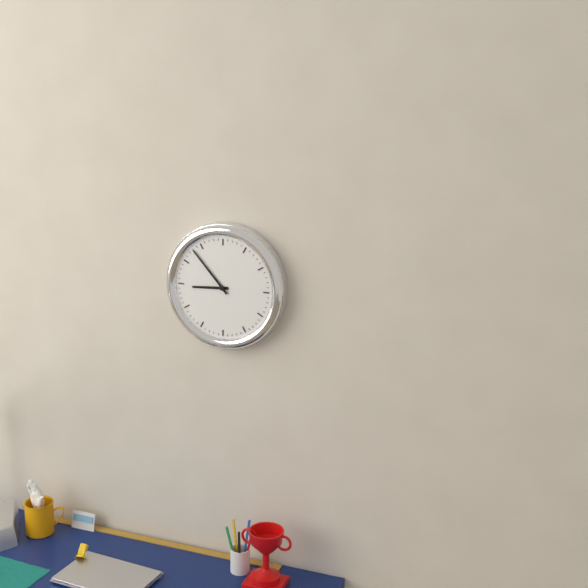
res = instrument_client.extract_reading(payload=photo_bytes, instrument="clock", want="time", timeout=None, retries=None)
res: 8:53
